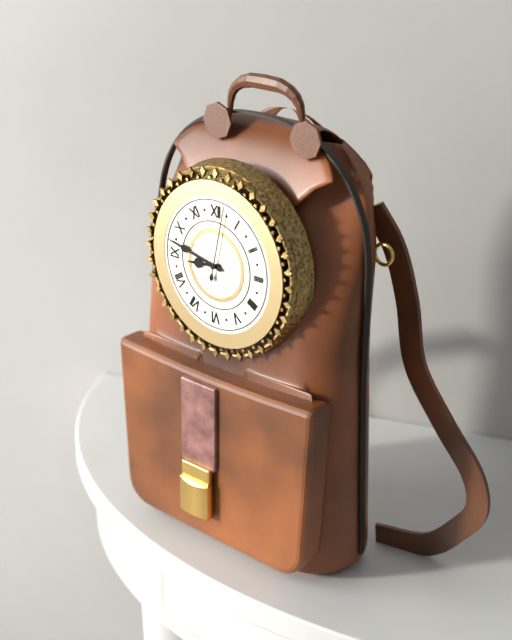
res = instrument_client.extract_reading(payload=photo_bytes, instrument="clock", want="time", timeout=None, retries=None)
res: 8:47:02
